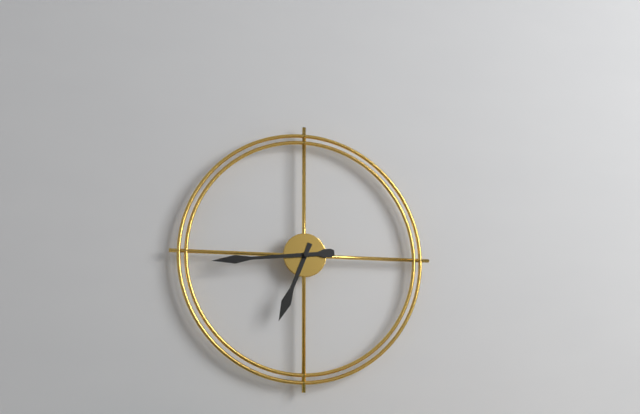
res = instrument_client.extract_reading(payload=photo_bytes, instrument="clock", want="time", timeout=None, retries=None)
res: 6:44
